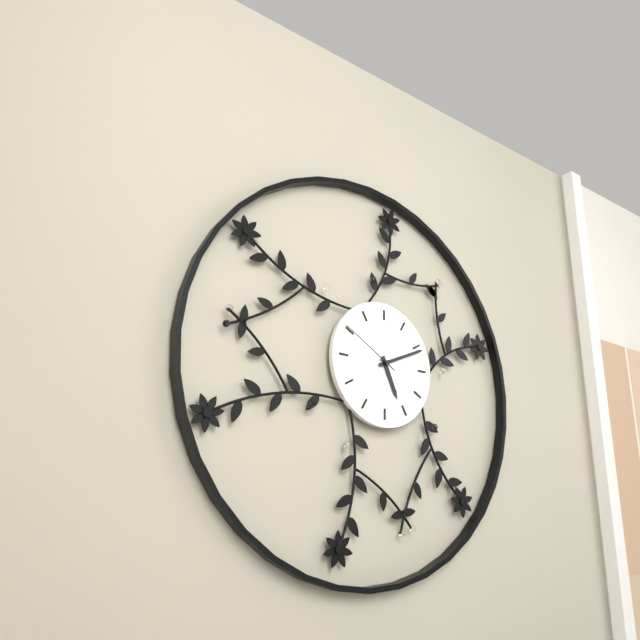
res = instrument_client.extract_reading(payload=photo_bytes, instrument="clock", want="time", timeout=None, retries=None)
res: 5:11:50
